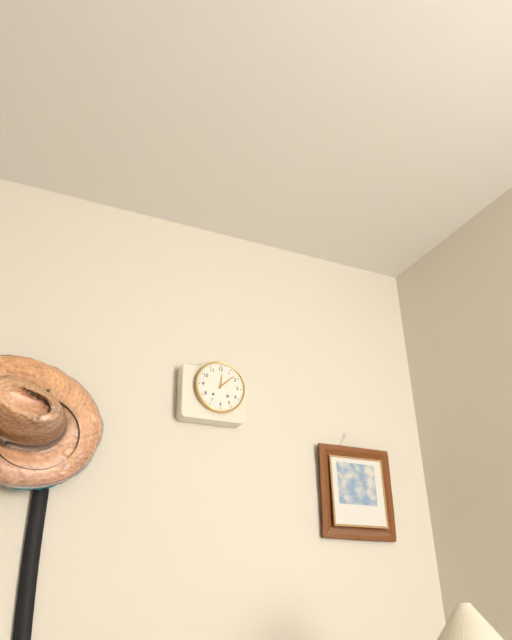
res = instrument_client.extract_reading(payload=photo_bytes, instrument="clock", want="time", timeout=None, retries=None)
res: 12:08
